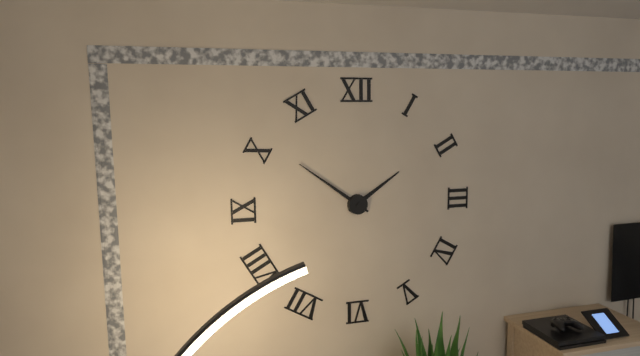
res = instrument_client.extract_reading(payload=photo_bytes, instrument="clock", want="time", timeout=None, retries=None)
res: 1:51
